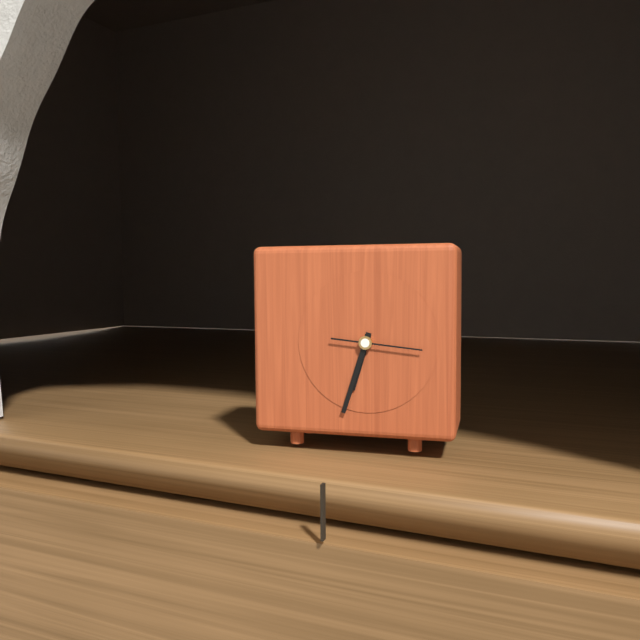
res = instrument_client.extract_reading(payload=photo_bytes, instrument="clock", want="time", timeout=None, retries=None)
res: 6:33:16
